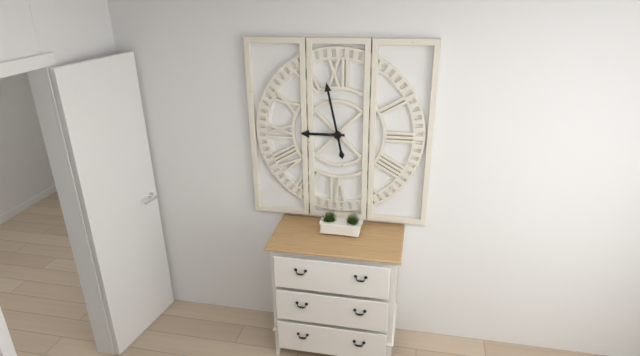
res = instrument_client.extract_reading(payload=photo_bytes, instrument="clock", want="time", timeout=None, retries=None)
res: 8:58
